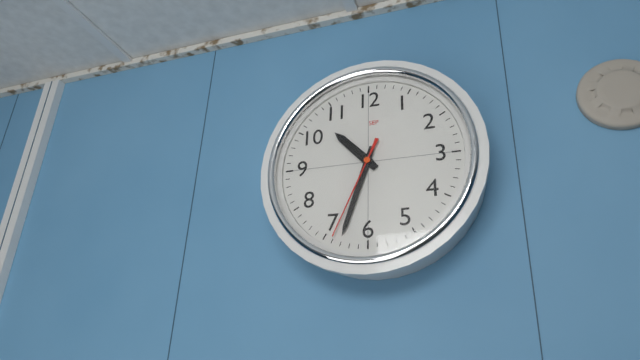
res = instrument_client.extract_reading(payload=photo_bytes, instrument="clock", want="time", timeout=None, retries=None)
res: 10:33:34
